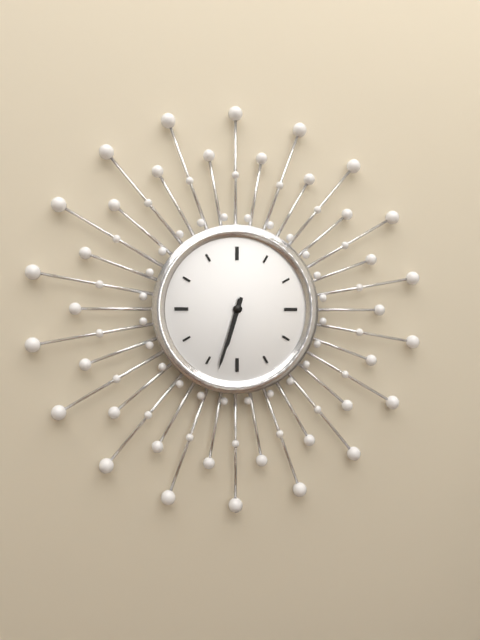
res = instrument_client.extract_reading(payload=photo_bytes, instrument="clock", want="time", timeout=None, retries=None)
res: 6:33
